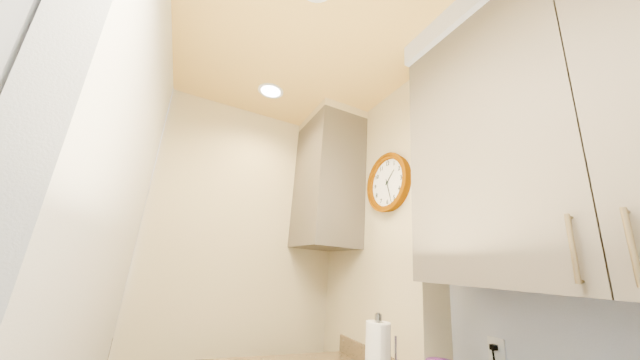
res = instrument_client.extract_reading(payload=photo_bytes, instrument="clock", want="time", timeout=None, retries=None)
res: 1:27
